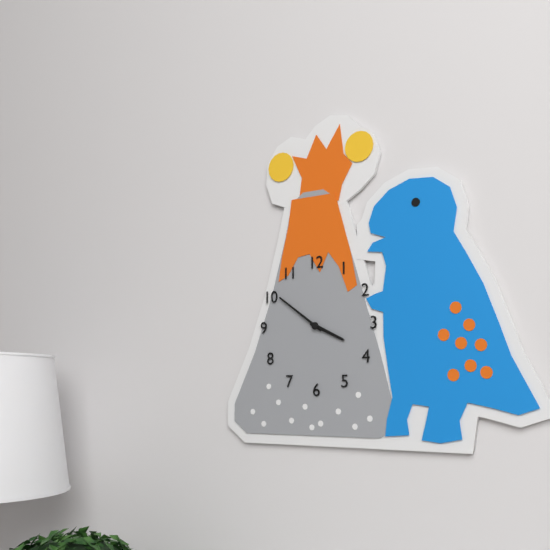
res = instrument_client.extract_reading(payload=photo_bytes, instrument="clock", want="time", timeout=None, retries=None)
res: 3:51
